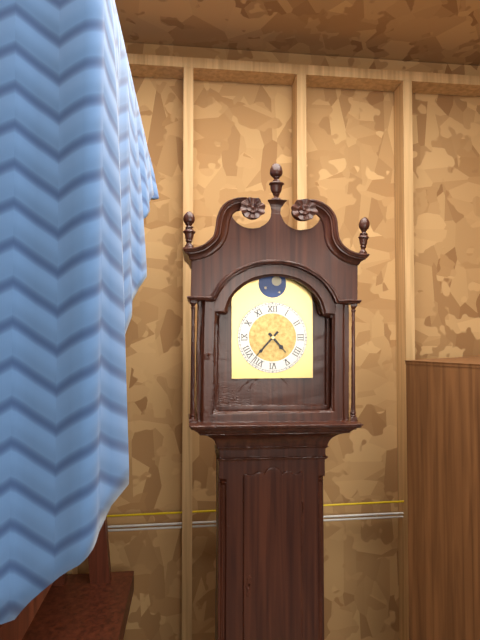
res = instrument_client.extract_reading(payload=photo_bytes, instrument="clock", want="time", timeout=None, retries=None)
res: 4:37
